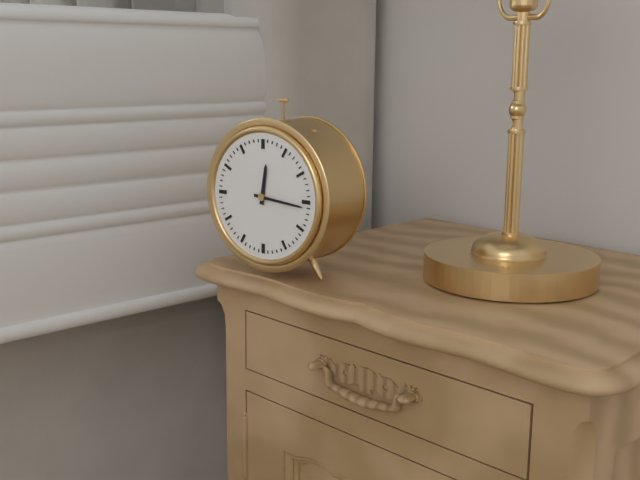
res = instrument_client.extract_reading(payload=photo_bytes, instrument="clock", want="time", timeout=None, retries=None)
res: 12:16
